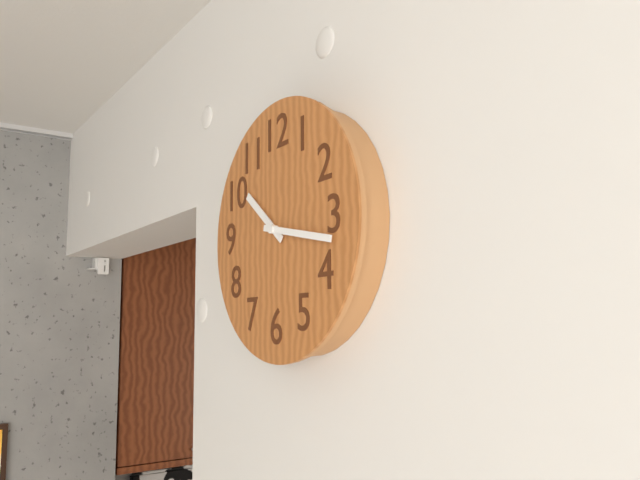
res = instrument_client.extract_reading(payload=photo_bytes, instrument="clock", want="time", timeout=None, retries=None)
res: 10:17
